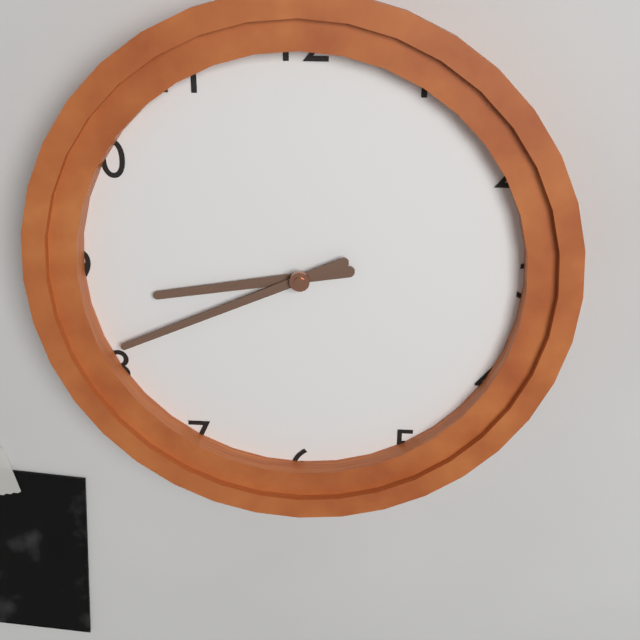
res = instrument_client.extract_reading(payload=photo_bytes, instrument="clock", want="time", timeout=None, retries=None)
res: 8:41
